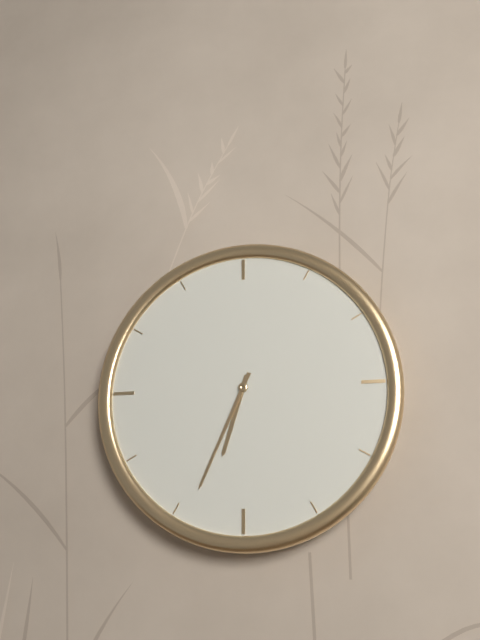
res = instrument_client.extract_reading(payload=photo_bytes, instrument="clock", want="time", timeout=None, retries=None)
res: 6:34
